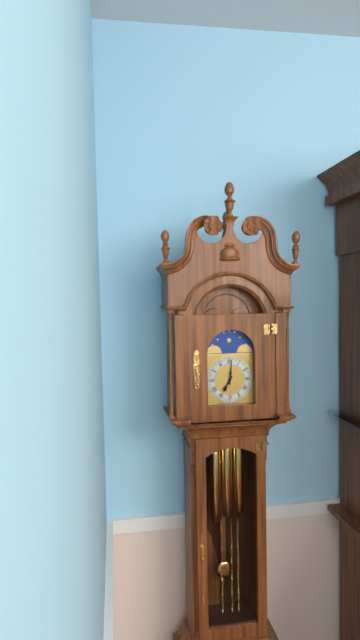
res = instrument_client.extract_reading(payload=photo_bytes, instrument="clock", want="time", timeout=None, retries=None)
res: 7:01
